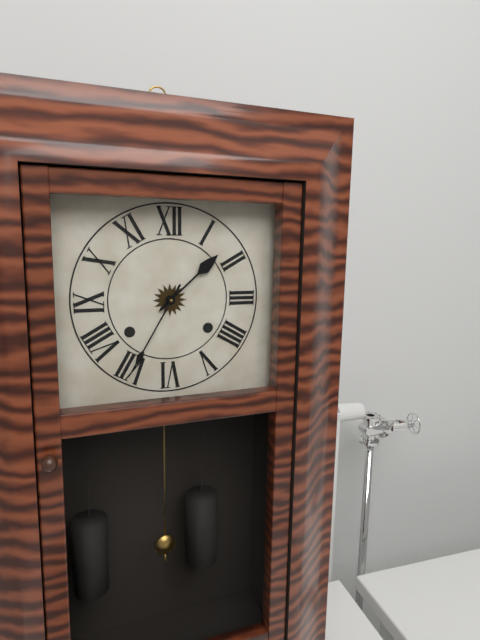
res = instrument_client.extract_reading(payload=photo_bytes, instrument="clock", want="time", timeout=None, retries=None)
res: 1:35
